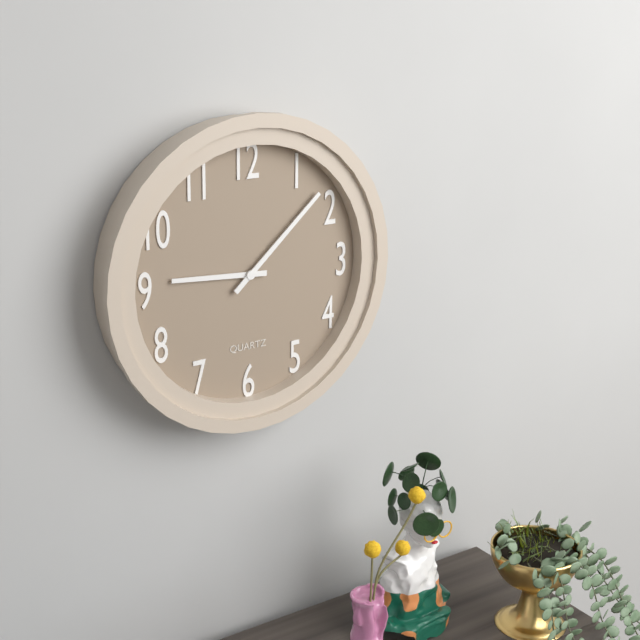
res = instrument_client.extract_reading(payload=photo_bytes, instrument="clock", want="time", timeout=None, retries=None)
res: 9:08
